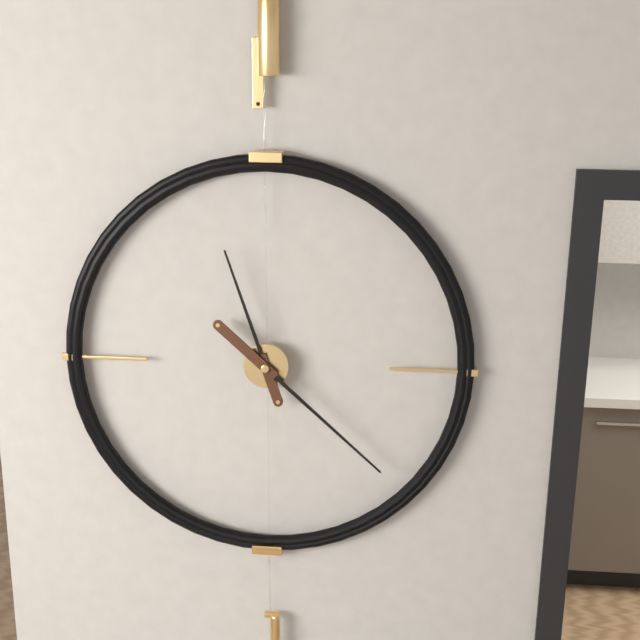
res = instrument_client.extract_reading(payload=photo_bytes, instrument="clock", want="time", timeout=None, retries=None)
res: 11:22
